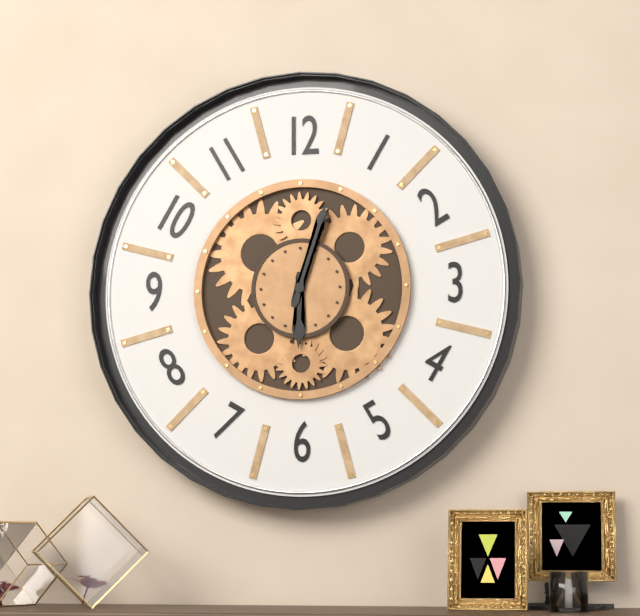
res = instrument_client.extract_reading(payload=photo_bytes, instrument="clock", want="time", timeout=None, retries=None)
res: 6:03
